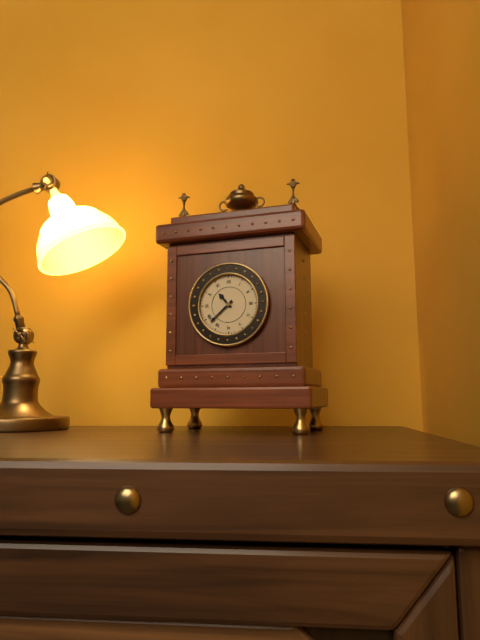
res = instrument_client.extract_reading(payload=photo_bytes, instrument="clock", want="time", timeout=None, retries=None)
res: 10:38
